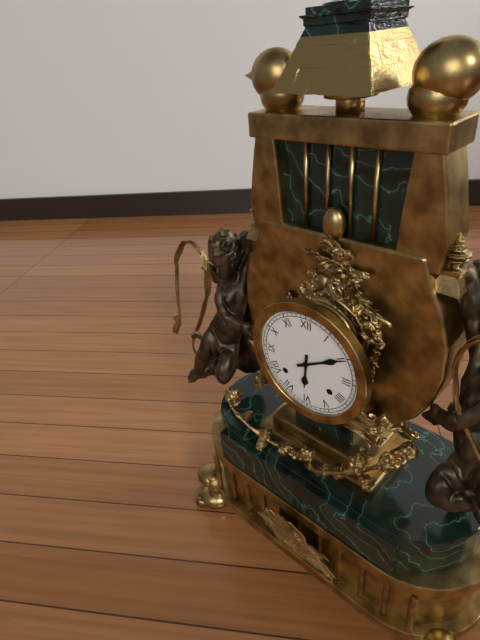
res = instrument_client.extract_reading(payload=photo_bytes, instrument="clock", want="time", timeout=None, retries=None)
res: 6:10
